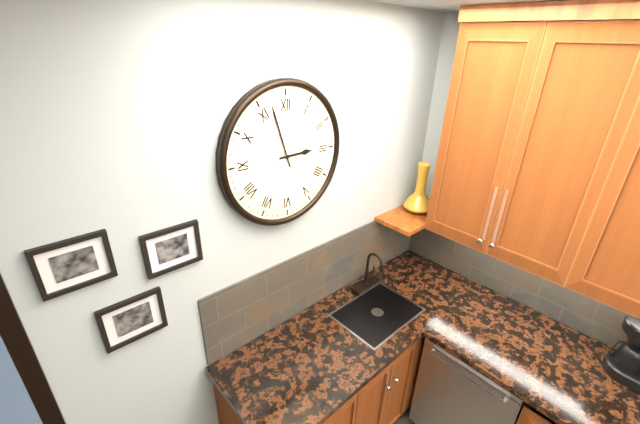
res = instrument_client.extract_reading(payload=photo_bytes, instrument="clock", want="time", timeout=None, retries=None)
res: 2:57
